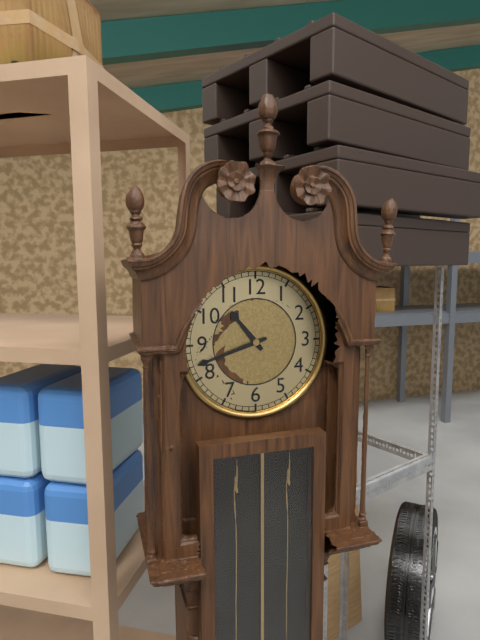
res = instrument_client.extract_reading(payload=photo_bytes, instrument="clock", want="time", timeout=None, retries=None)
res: 10:42
